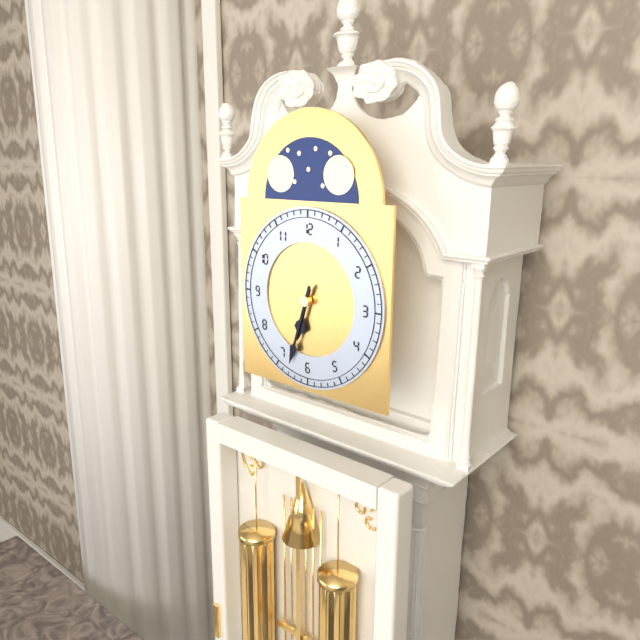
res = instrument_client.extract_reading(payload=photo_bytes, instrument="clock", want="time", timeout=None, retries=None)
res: 6:33
